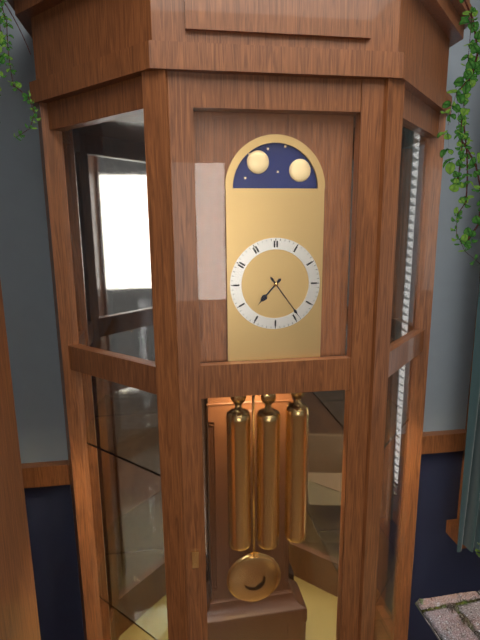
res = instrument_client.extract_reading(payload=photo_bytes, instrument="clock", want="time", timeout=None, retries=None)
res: 7:24
